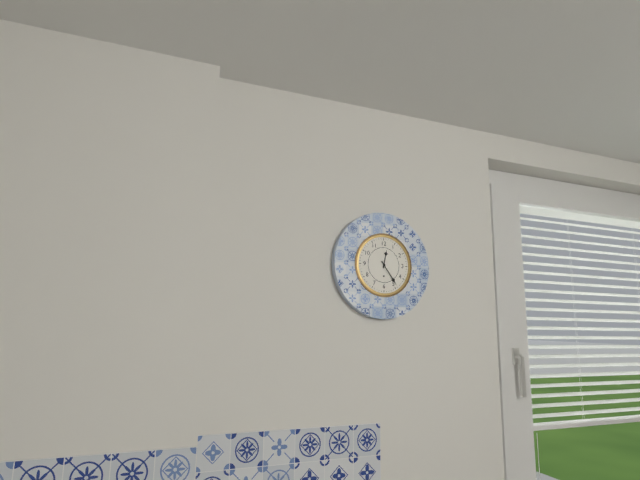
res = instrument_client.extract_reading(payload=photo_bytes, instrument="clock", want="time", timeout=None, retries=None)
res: 12:24
